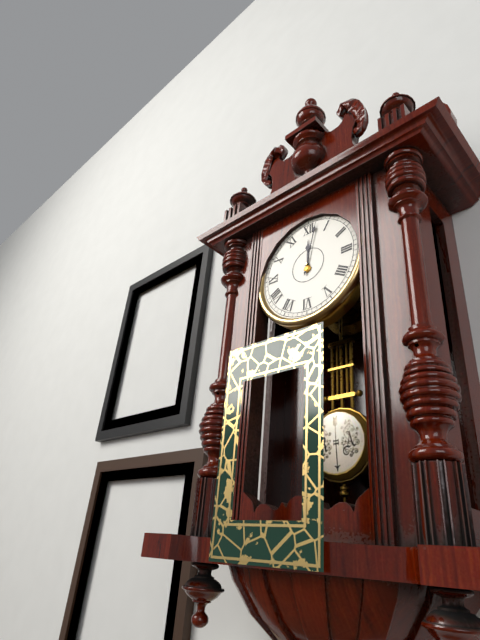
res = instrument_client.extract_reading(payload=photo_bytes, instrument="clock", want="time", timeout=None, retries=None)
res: 12:02
